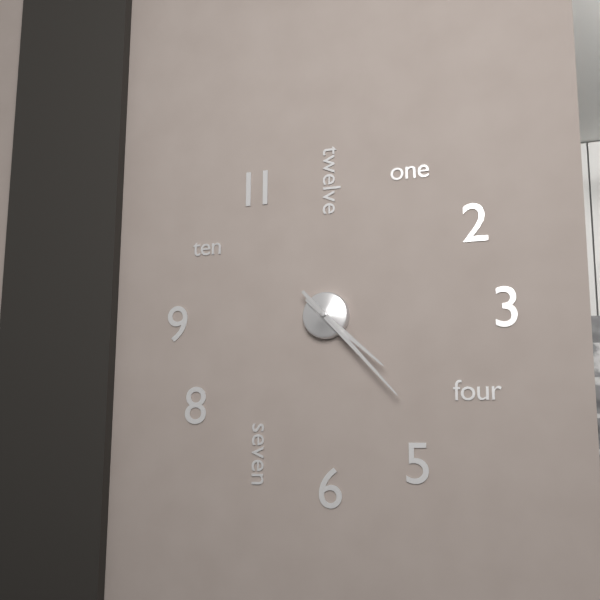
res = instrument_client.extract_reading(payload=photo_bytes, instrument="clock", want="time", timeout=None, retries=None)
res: 4:23
